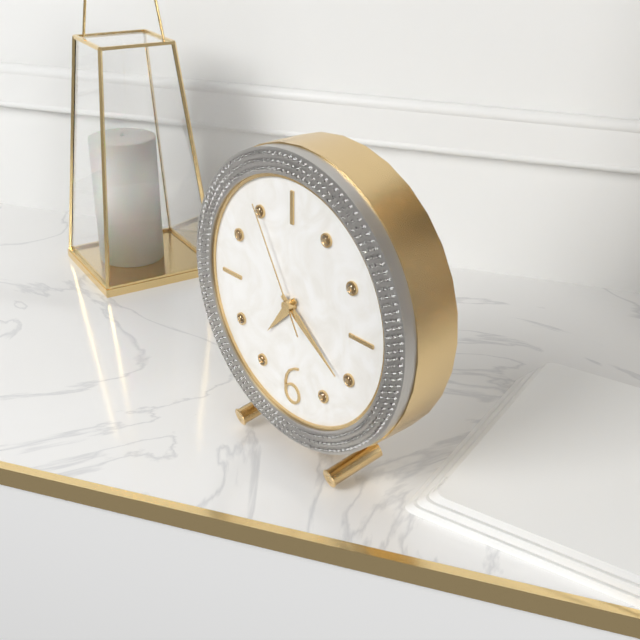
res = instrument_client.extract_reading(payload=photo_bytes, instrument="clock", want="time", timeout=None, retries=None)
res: 7:21:55
